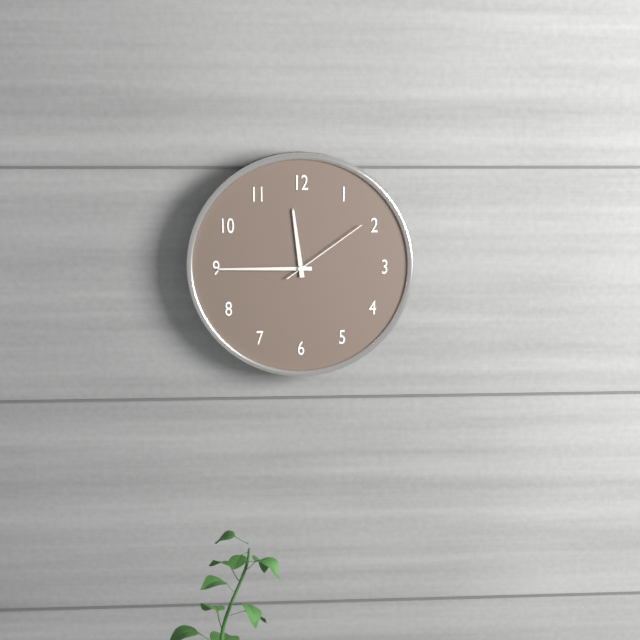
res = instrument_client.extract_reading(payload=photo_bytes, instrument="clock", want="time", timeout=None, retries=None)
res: 11:45:09
